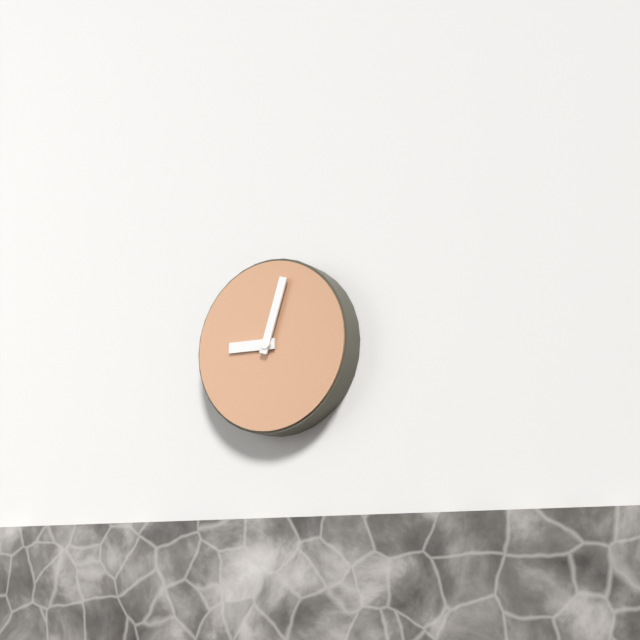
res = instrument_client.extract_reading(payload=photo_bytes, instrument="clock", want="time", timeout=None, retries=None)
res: 9:03
